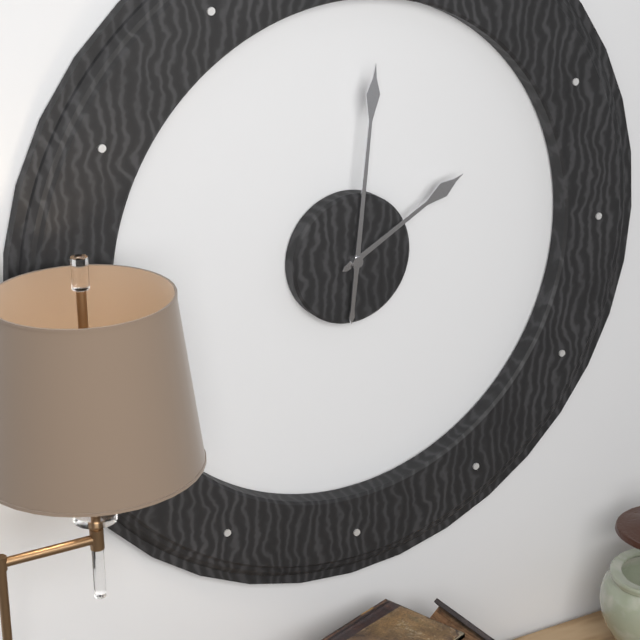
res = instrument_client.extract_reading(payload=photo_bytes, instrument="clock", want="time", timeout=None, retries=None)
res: 2:01
